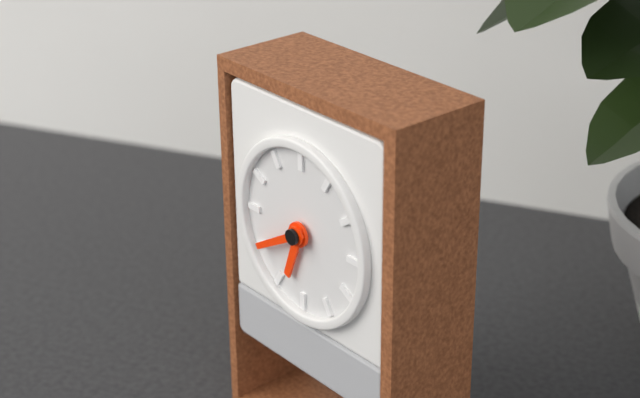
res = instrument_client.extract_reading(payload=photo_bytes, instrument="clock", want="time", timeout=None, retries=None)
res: 6:40
